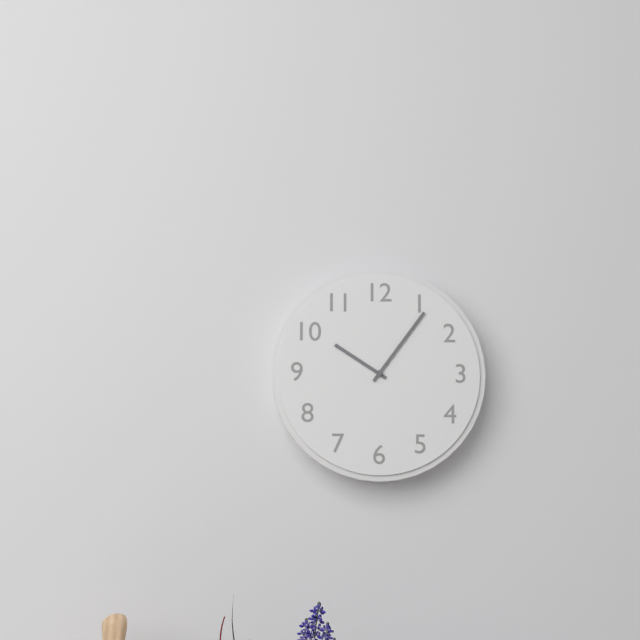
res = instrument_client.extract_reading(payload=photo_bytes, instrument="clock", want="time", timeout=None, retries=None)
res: 10:06
